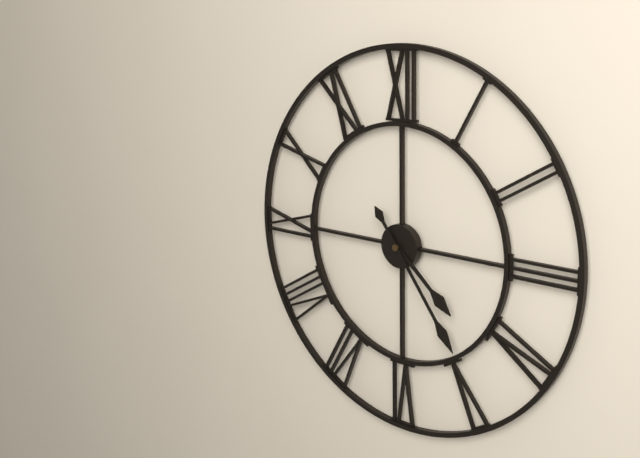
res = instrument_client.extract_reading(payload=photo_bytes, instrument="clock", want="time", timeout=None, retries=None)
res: 4:24
